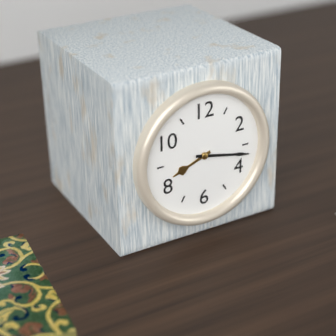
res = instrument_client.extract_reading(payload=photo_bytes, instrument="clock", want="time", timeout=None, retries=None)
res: 8:17
